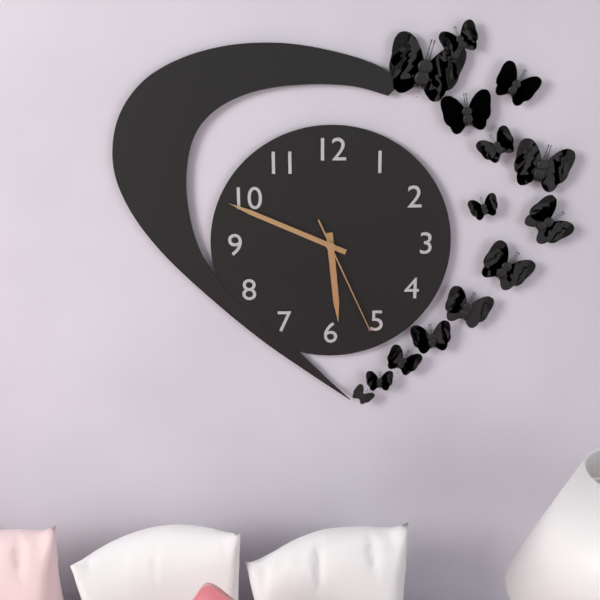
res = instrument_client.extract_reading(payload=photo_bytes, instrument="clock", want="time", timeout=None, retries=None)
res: 5:49:26
